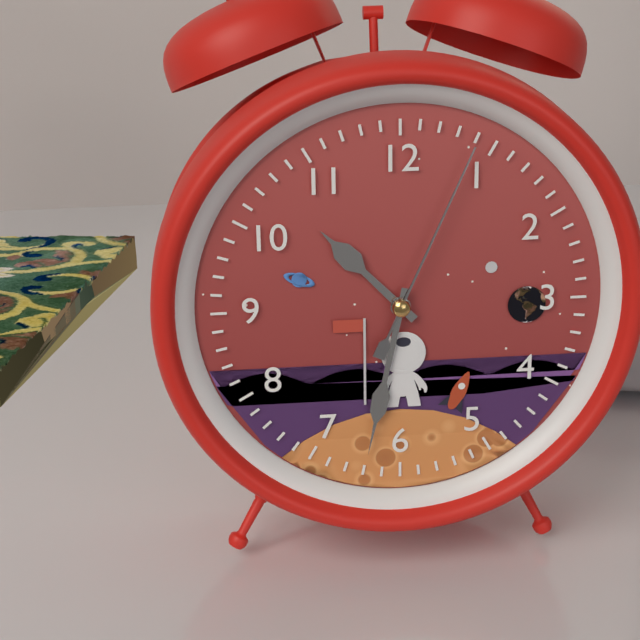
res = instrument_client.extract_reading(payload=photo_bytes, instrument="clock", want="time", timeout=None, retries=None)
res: 10:32:04
